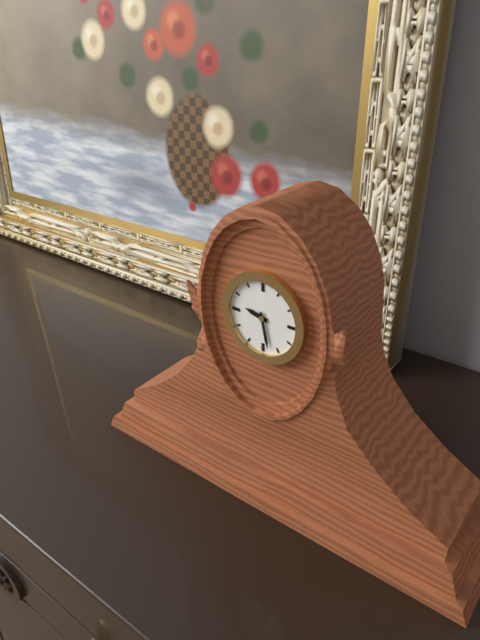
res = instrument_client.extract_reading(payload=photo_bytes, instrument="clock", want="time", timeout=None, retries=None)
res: 9:28
